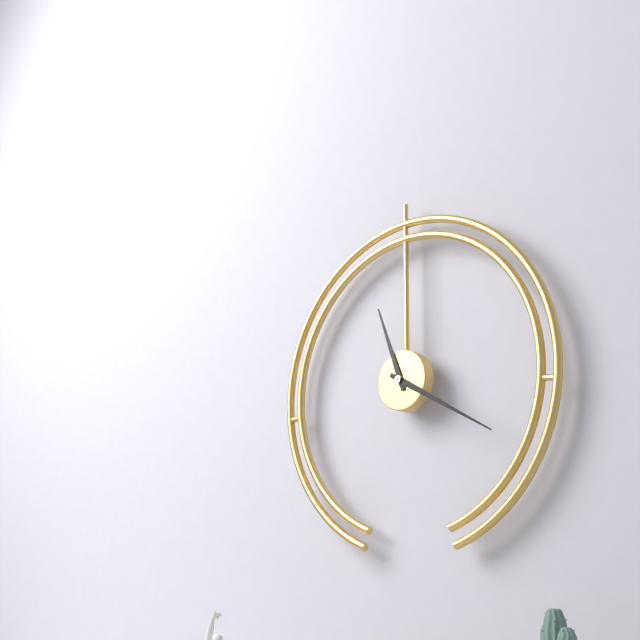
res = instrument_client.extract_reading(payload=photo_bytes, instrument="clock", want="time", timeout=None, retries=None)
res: 11:20
